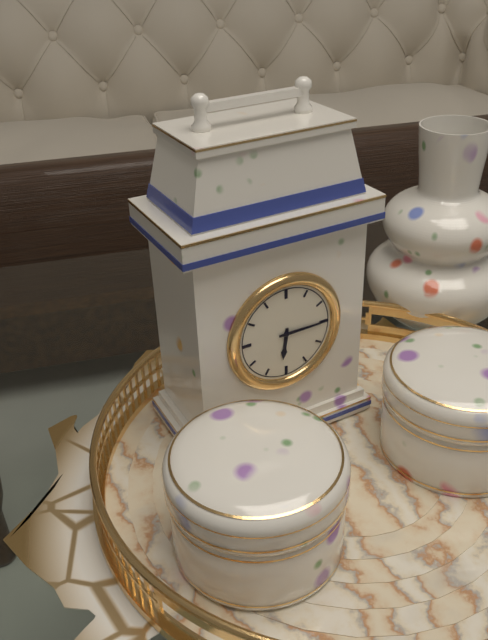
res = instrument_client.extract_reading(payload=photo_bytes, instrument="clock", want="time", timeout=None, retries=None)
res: 6:15
